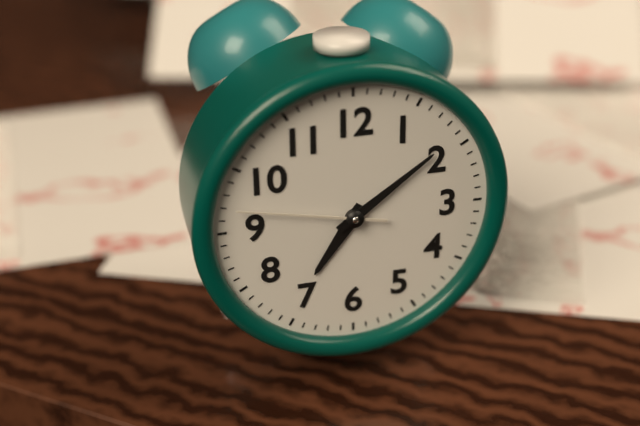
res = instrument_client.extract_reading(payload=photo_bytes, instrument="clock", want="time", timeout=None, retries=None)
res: 7:09:47
